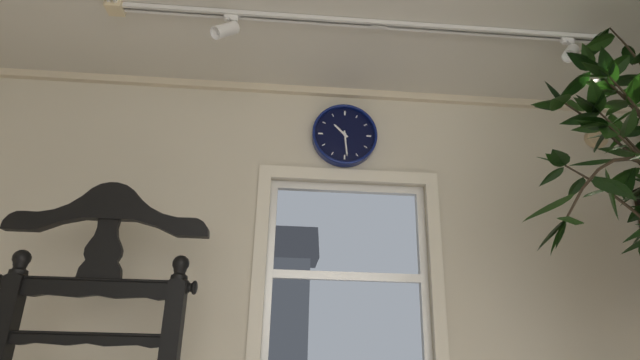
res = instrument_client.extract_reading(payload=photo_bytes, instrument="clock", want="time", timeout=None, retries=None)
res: 10:29
